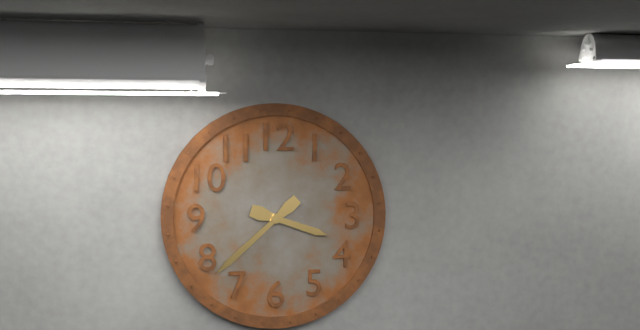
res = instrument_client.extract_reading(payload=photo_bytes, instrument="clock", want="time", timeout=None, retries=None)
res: 3:38
